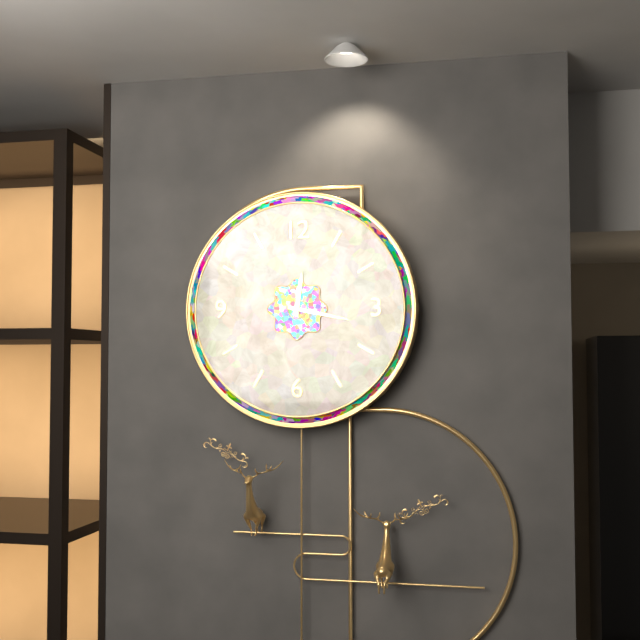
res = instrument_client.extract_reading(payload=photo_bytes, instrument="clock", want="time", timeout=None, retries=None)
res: 12:17
